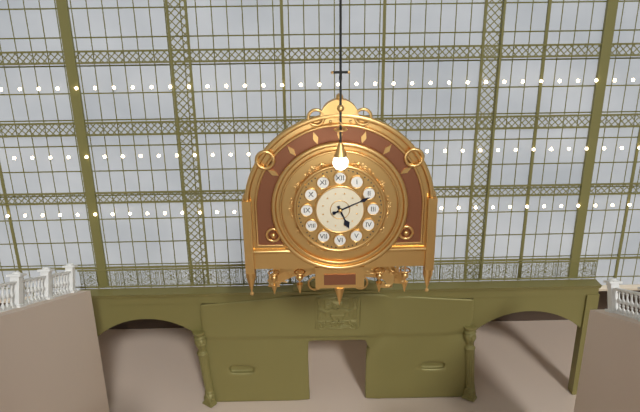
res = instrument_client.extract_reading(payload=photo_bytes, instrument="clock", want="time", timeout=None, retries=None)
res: 5:11
